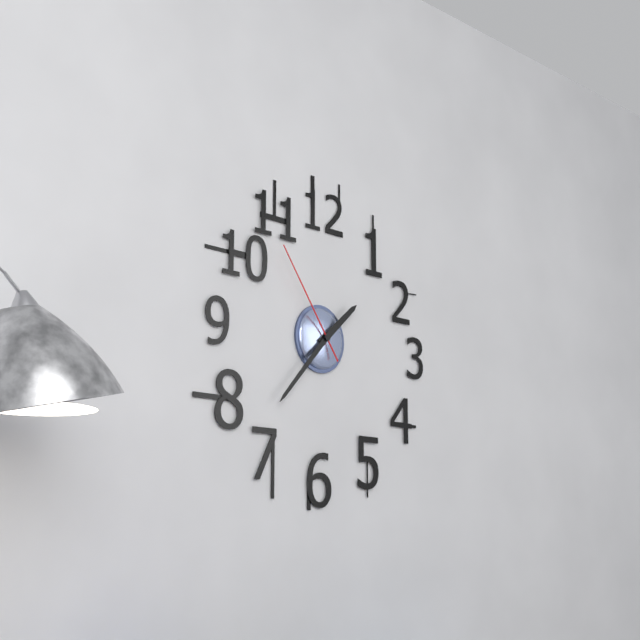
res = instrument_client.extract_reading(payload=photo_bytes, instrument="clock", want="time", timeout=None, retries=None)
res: 1:37:54
